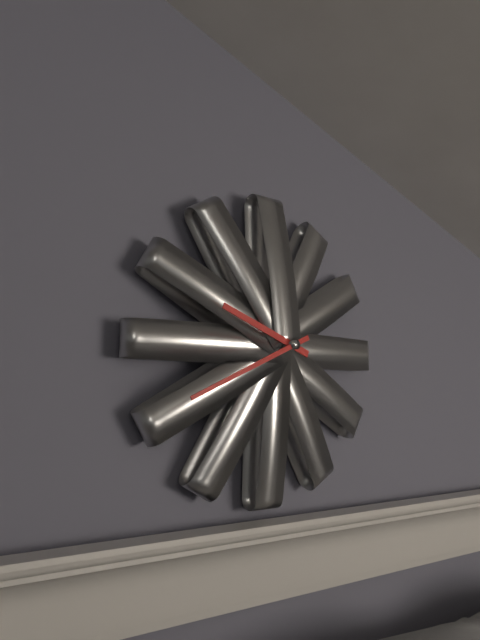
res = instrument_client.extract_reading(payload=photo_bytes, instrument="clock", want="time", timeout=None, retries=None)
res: 9:41
